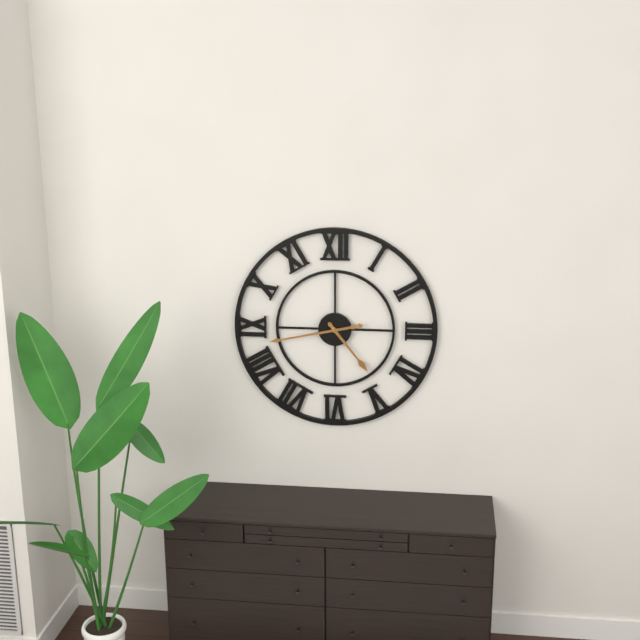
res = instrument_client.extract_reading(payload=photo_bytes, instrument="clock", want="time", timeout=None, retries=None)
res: 4:43
